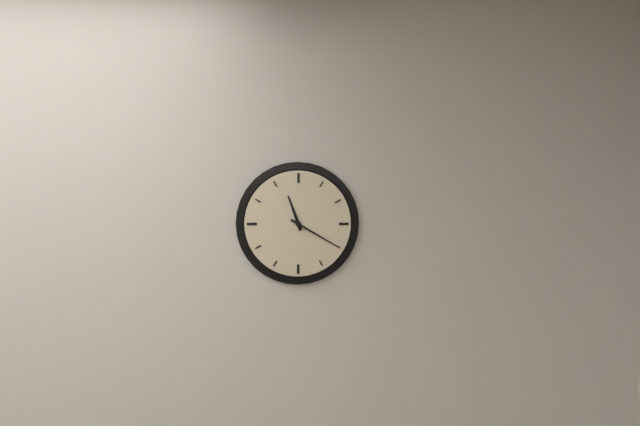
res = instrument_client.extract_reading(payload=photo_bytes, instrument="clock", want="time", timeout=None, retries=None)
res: 11:20
